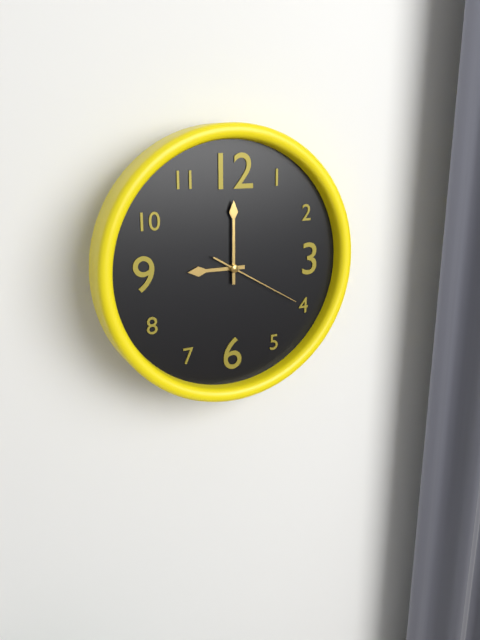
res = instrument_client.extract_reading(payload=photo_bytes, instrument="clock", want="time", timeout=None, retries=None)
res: 9:00:20
